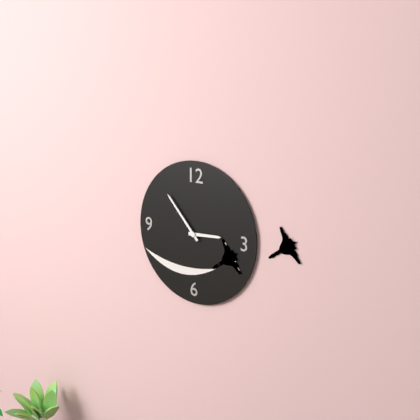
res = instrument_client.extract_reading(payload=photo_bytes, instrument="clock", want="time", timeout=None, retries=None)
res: 2:53
